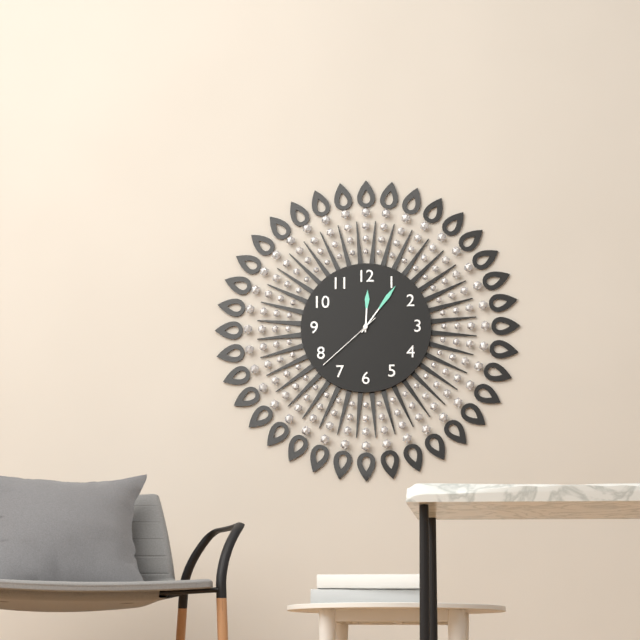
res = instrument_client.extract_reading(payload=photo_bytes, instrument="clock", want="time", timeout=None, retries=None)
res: 12:06:38
